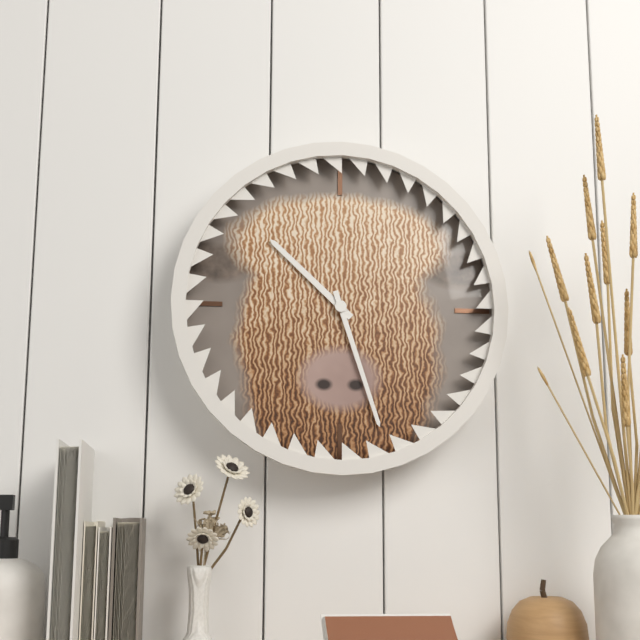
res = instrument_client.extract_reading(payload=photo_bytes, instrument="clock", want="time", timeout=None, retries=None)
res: 10:27
